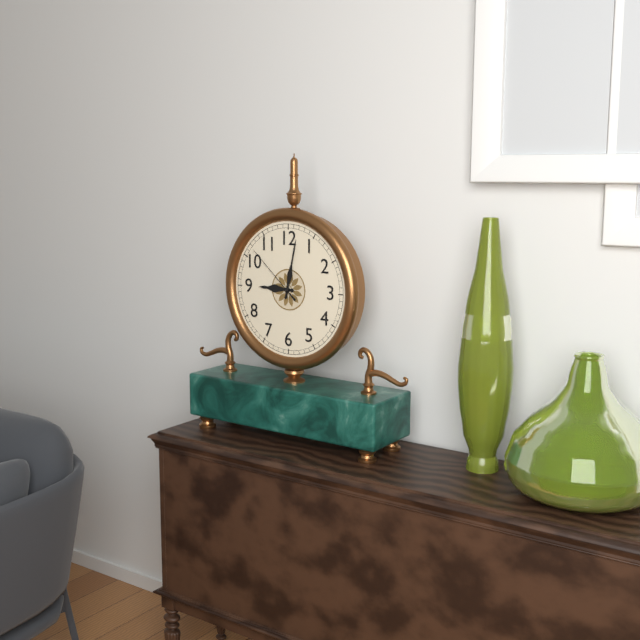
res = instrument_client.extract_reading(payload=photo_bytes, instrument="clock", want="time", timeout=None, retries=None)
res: 9:02:52
